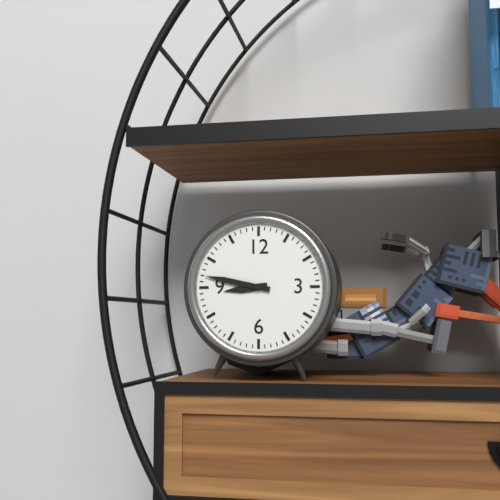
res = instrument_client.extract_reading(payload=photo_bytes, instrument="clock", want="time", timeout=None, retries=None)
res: 8:47
